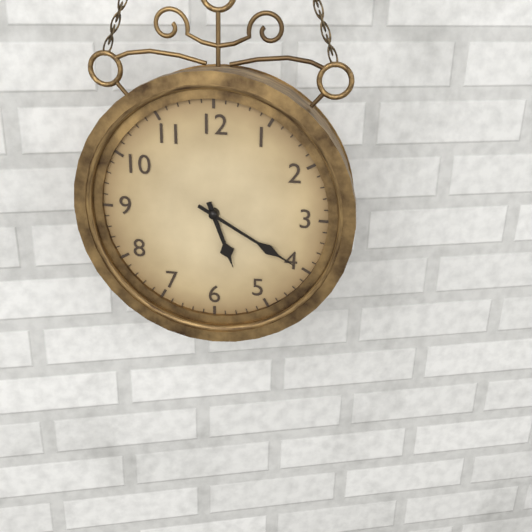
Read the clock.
5:20
